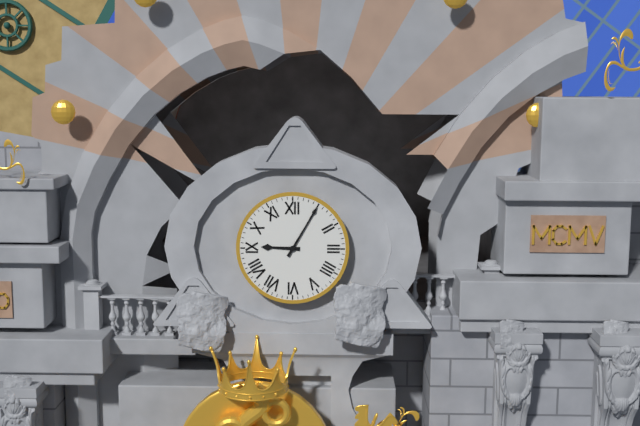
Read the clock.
9:05
